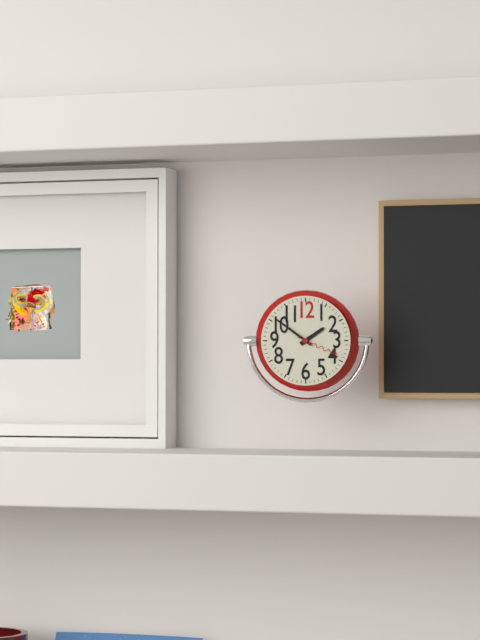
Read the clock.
1:51
